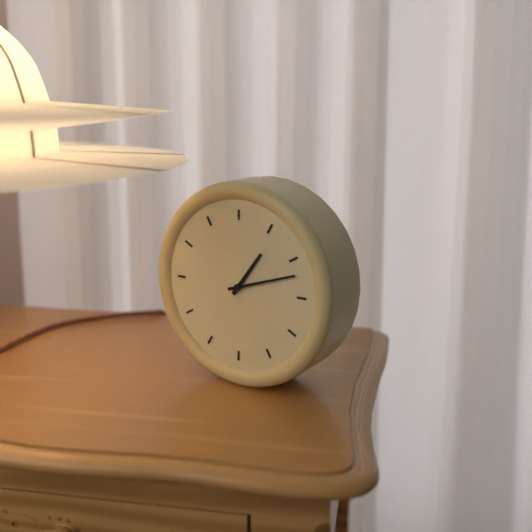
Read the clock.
1:12
